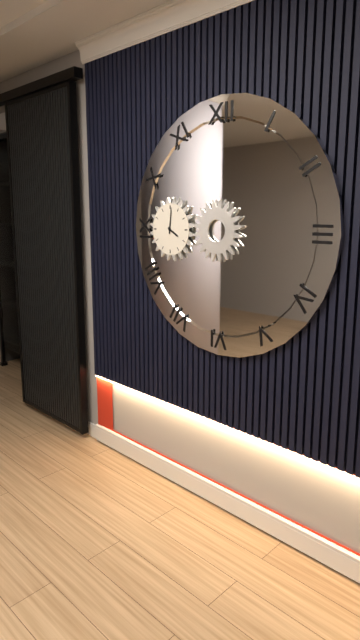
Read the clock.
4:01
